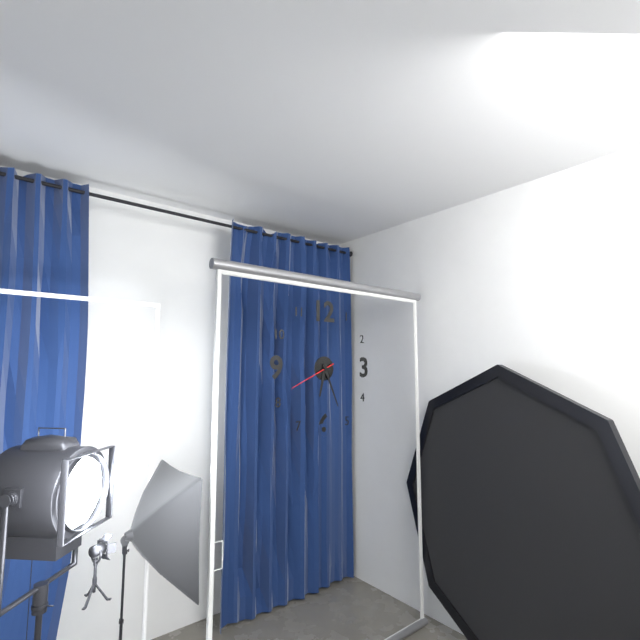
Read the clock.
6:26
